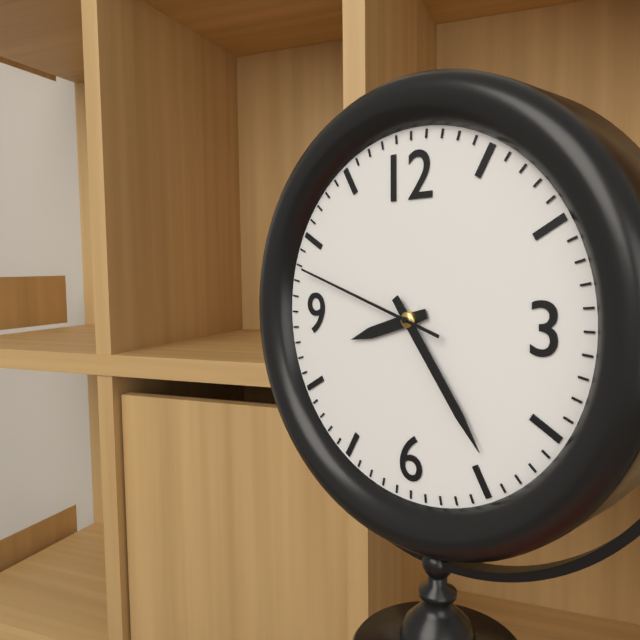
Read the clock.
8:24:48
